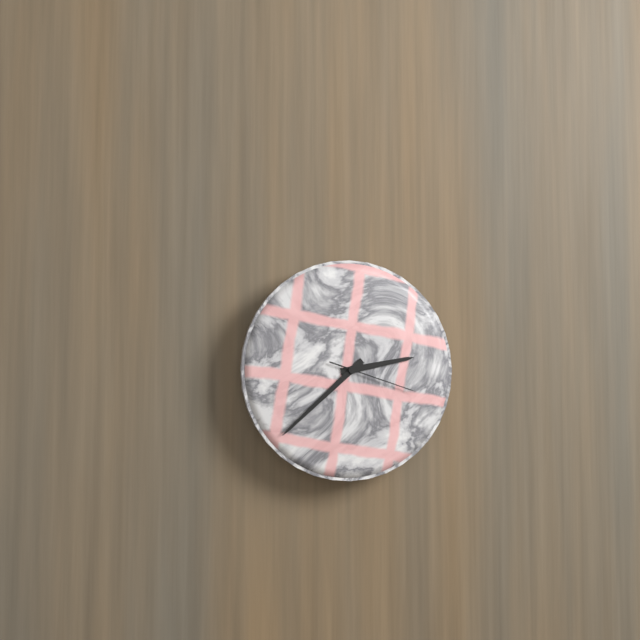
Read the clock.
2:38:18
